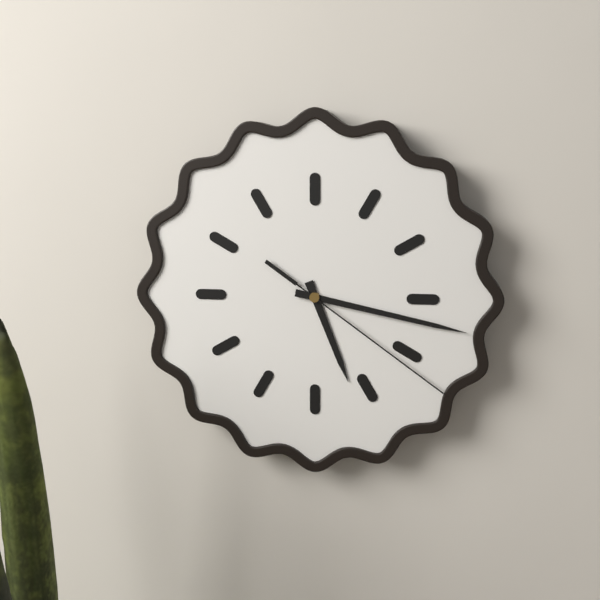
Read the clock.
5:17:21
